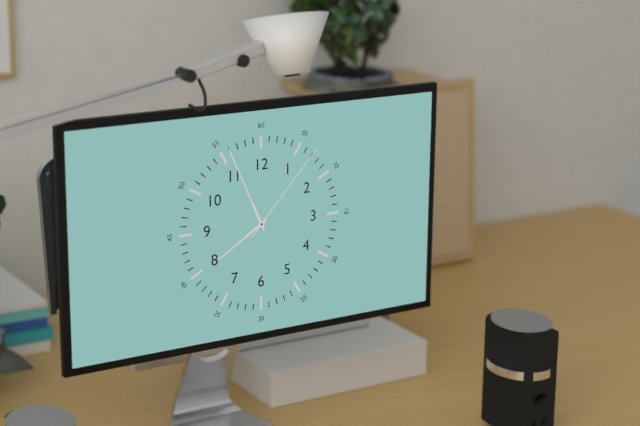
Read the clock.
7:56:07
